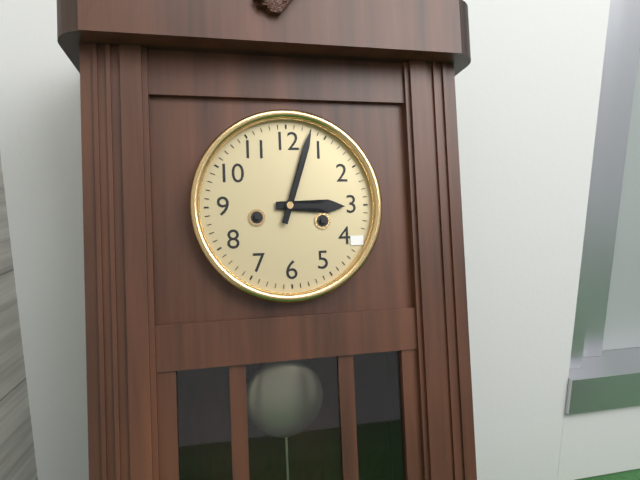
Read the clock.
3:03
